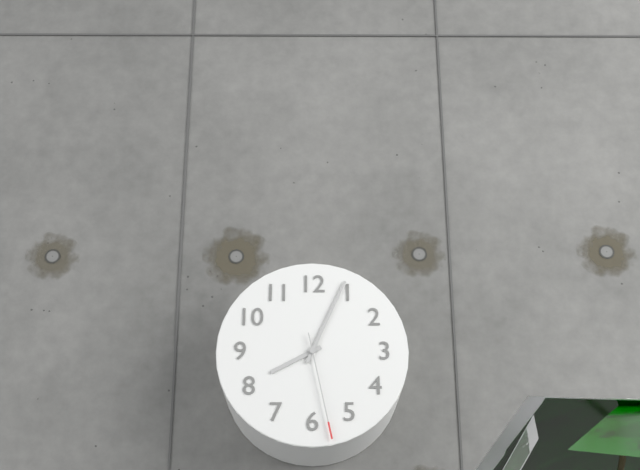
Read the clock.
8:04:28
